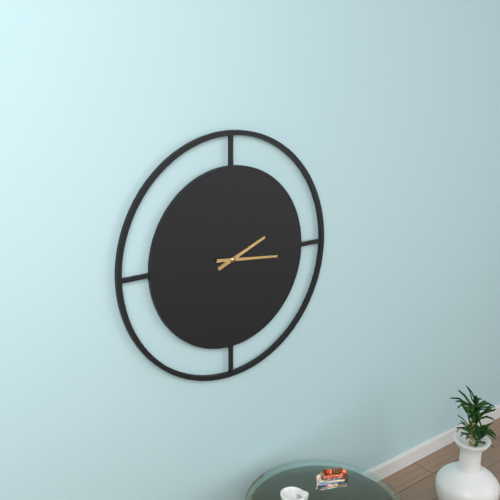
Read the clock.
2:16
